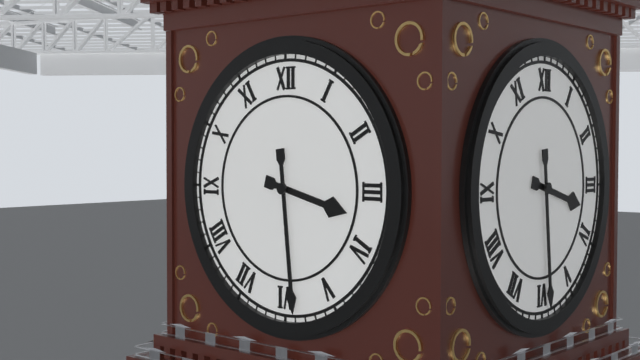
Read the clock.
3:29
